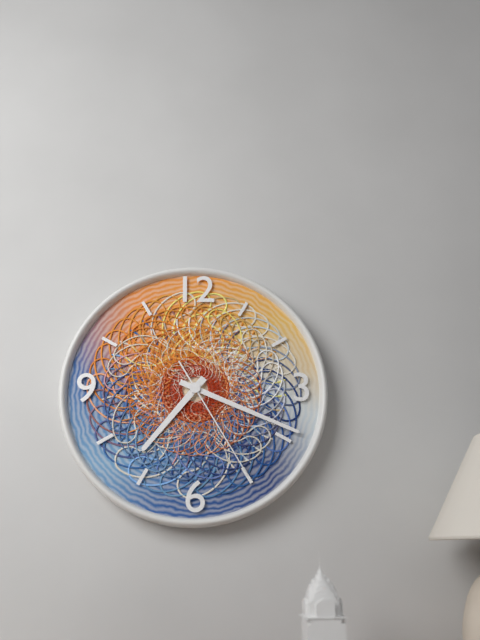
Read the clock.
7:19:25
